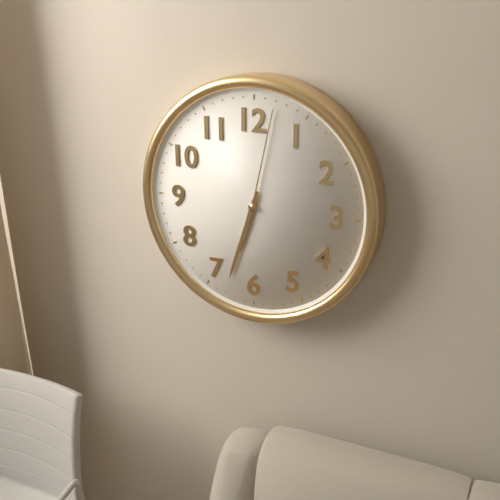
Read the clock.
6:33:02
